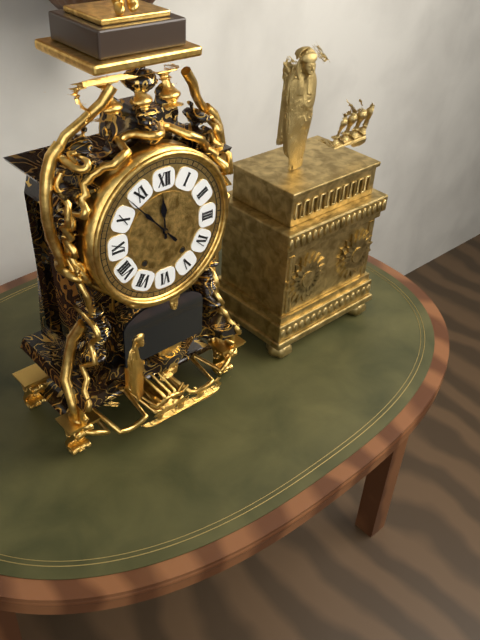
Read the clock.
11:53
